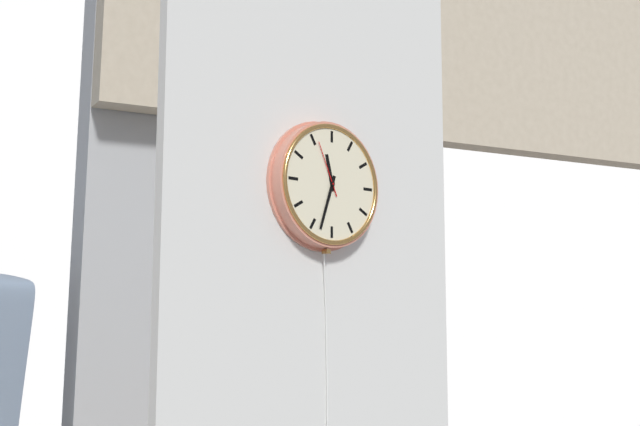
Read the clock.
11:33:56
